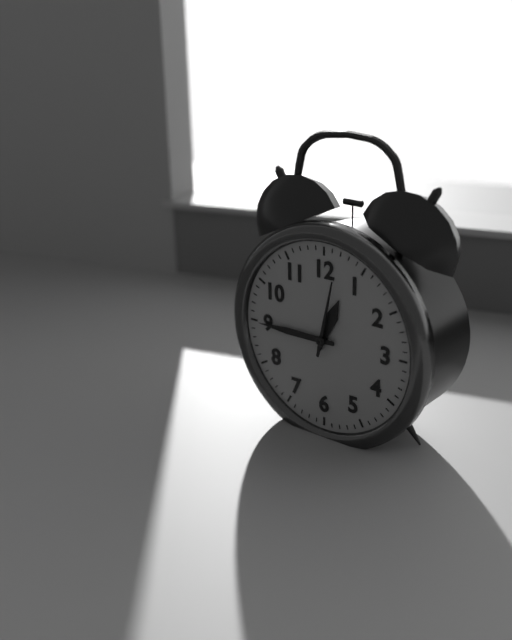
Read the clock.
12:45:02
